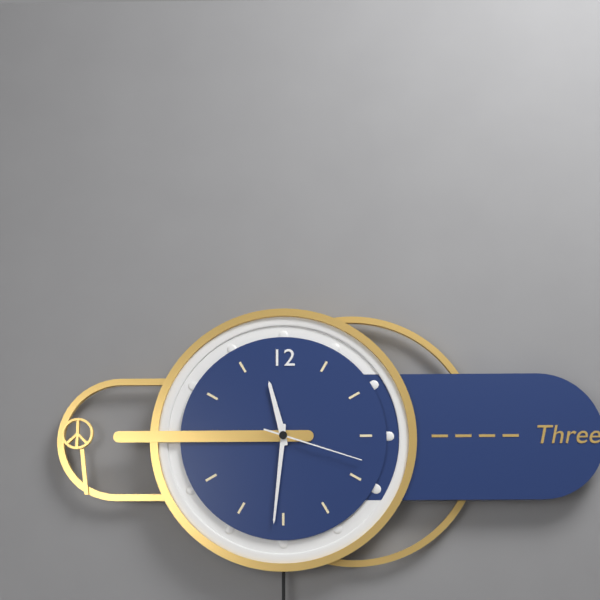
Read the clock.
11:31:18
